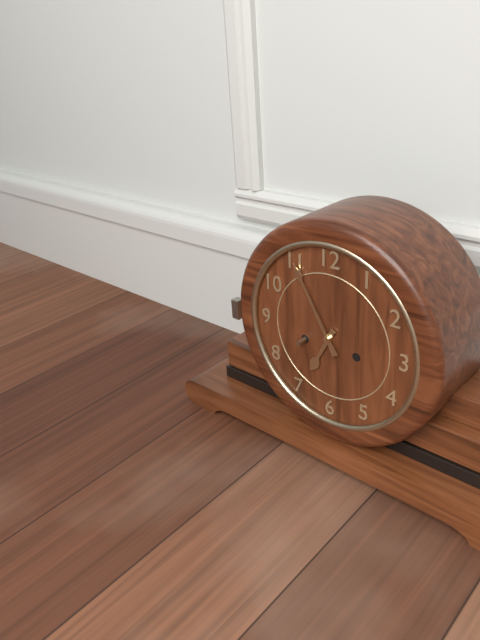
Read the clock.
6:55
